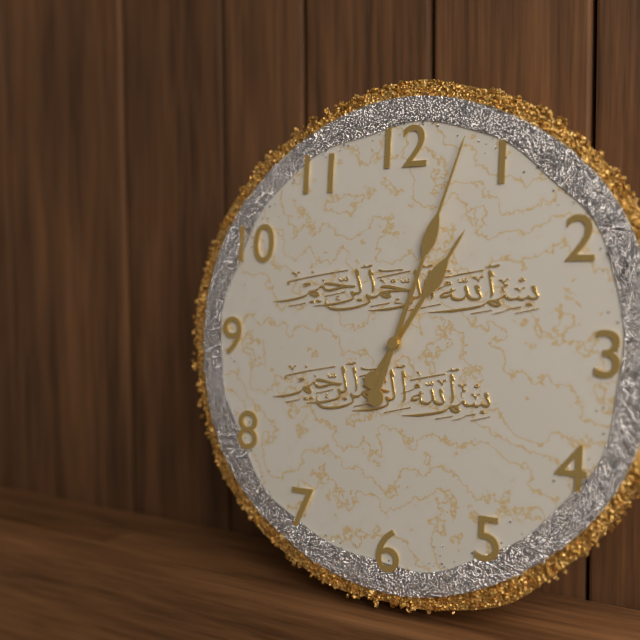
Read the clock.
1:03
